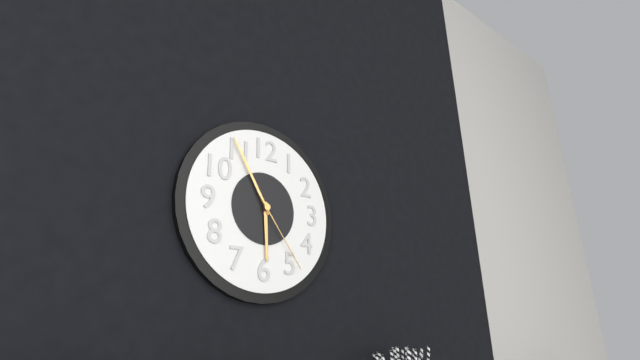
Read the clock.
5:55:24
